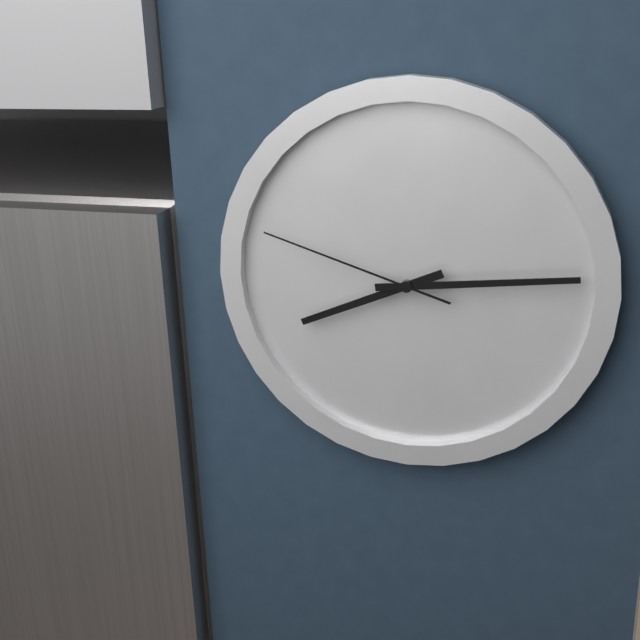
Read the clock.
8:14:48
